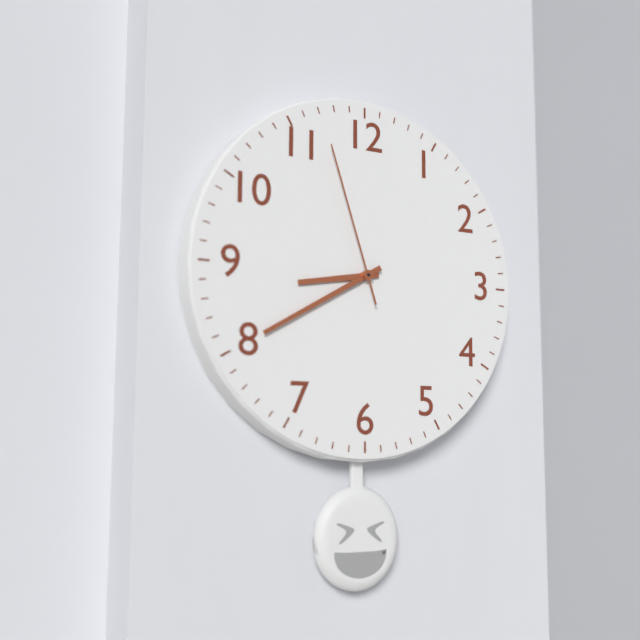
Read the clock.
8:40:57
